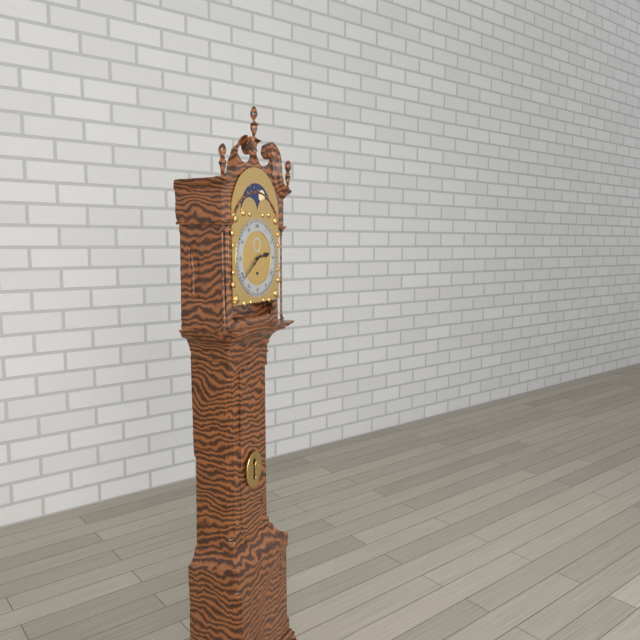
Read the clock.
2:39
